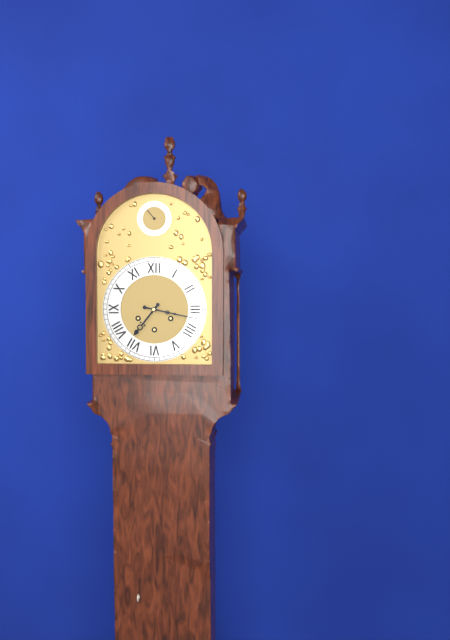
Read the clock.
7:17
